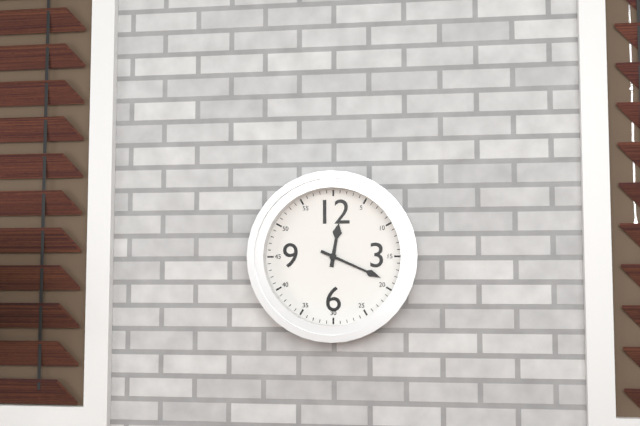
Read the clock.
12:19
